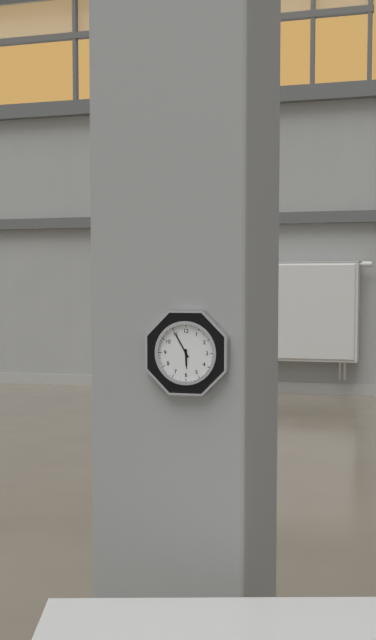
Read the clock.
5:55
